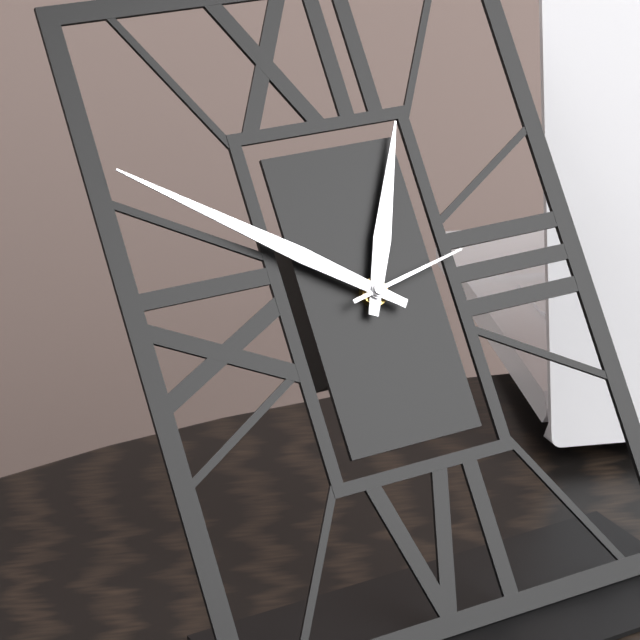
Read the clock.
12:51:13
